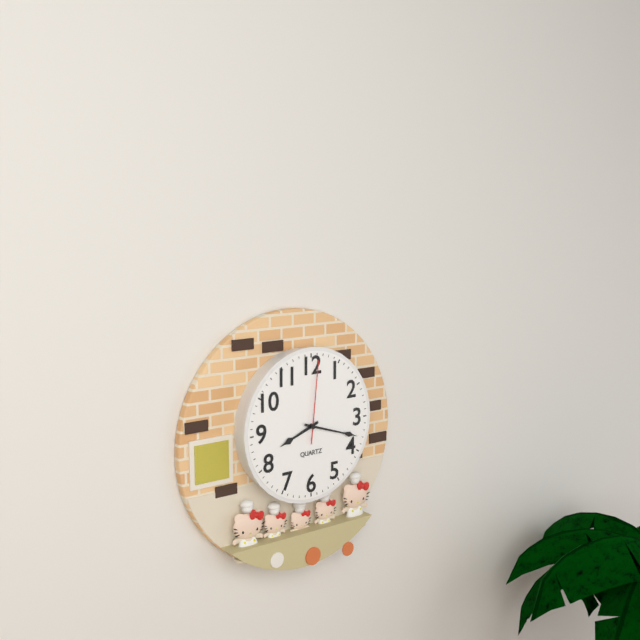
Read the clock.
8:18:01
